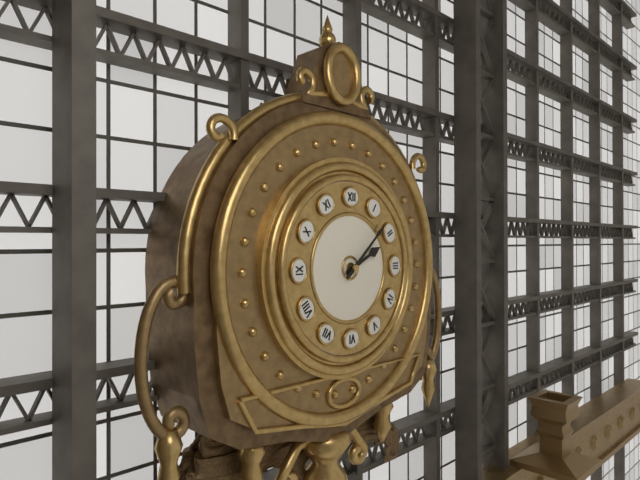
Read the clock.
2:08
